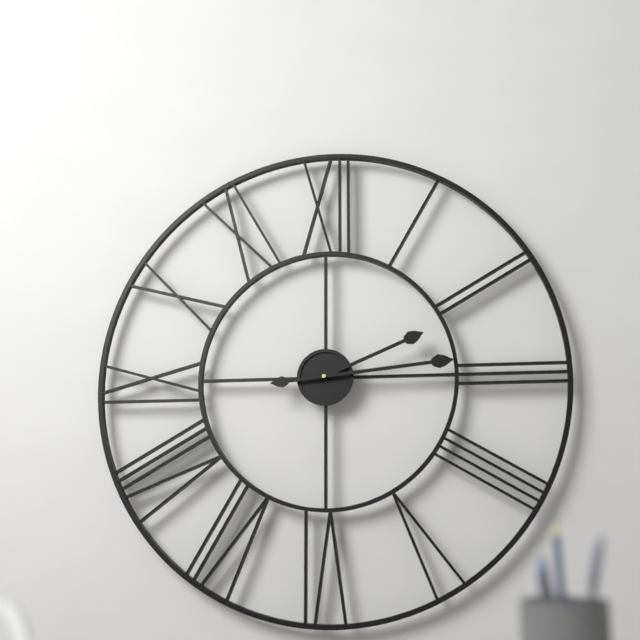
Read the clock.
2:14
